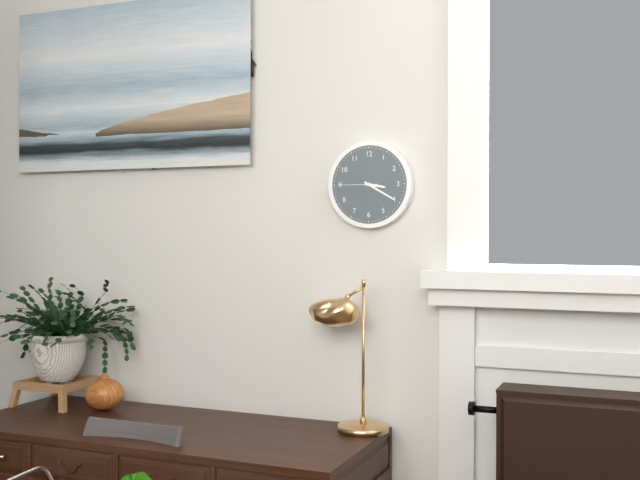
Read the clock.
3:20
